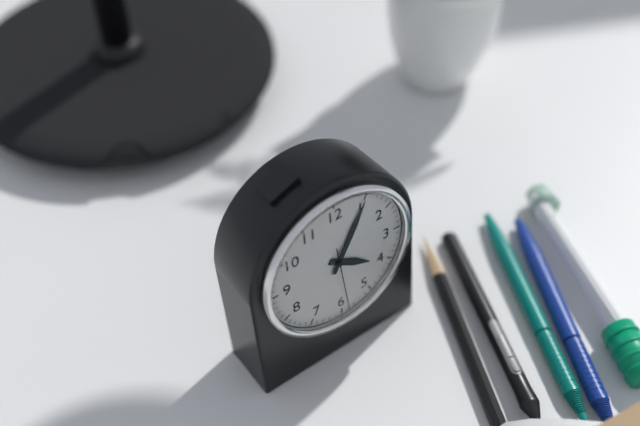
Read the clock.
4:05:29
